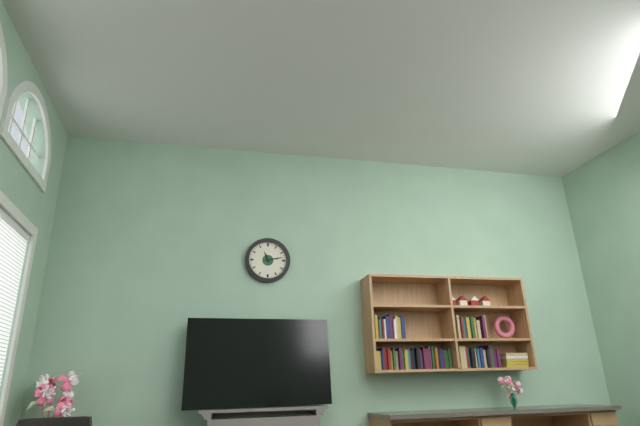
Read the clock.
11:13
